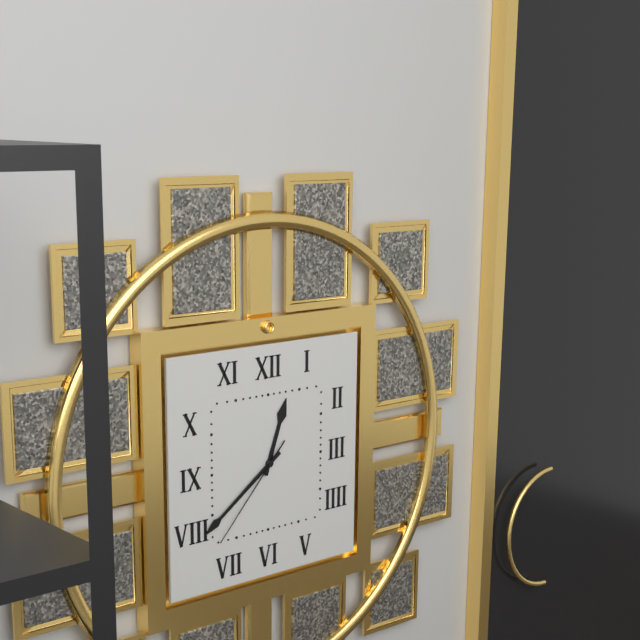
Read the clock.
12:39:37
